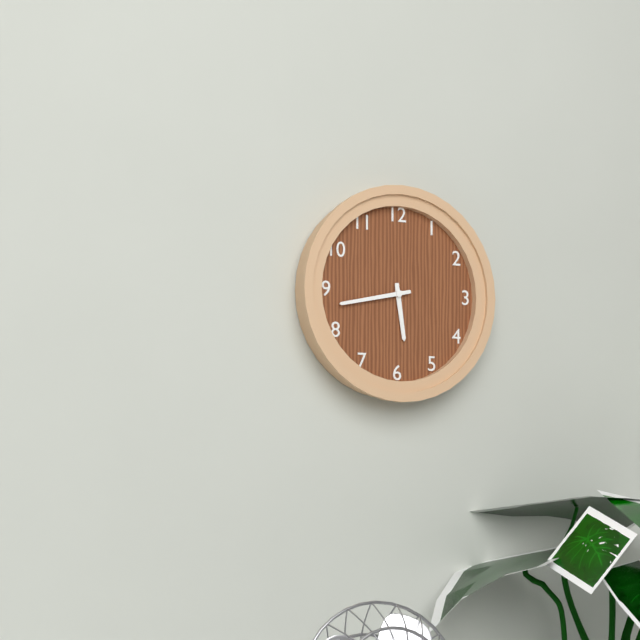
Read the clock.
5:43
